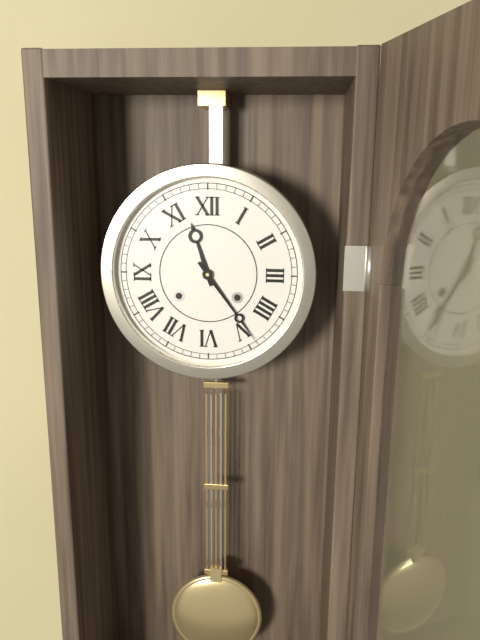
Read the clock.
11:24
